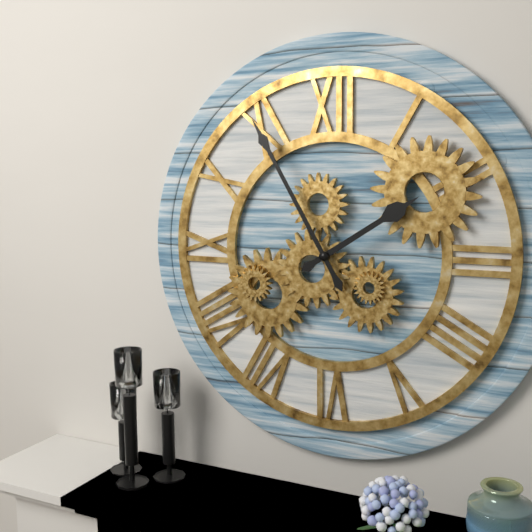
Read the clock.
1:55
